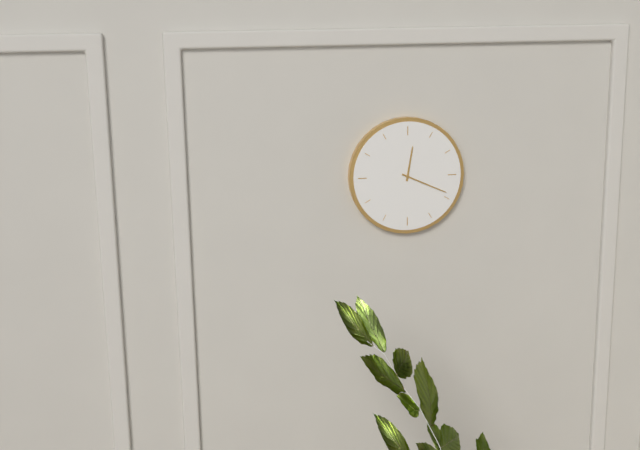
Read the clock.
12:19
